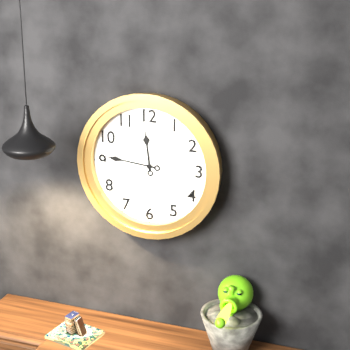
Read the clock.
11:46
